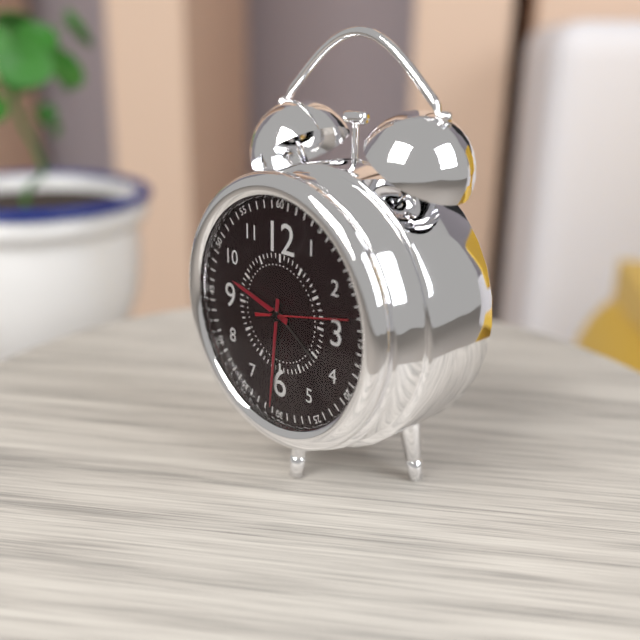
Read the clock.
9:31:13
